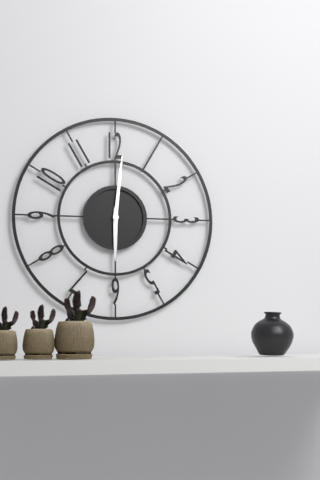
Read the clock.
6:01
